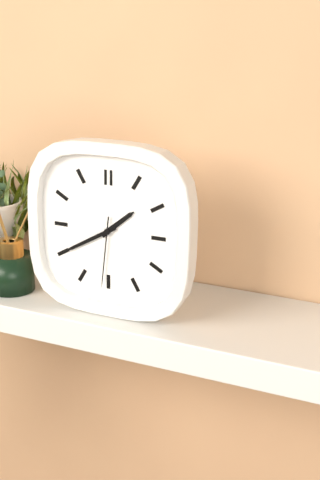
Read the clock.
1:40:31
